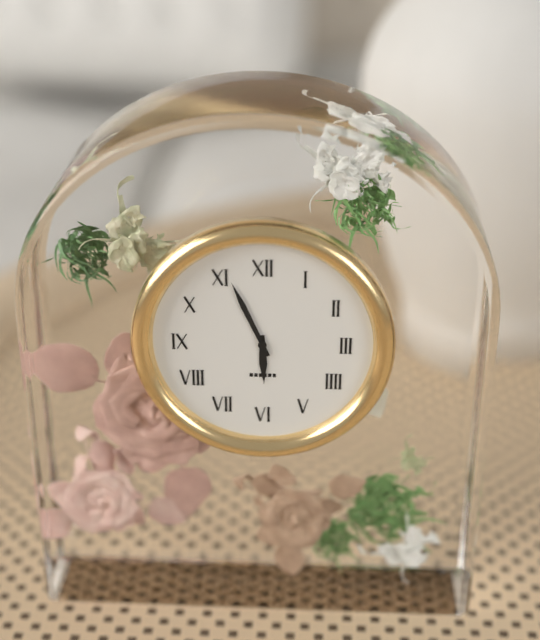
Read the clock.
5:56
